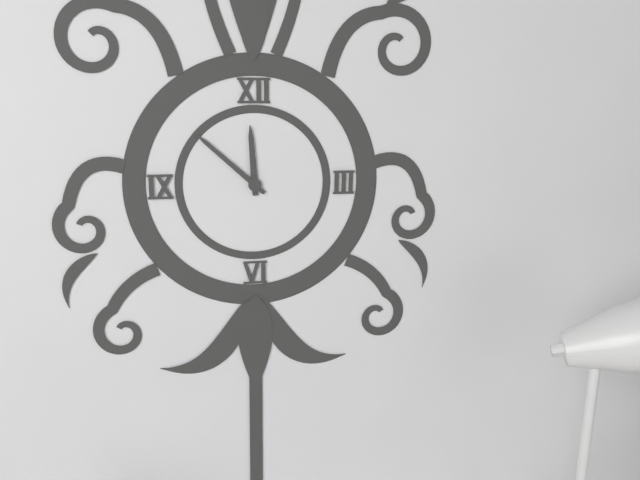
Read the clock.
11:52
